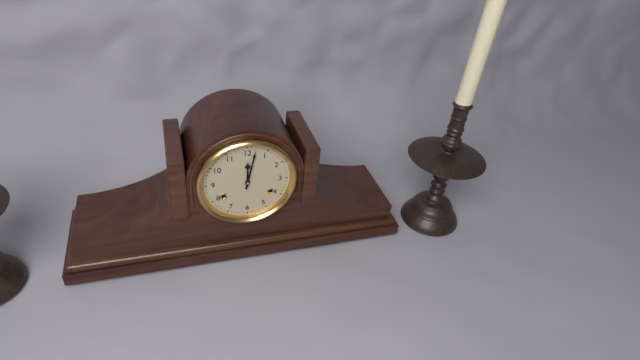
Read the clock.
12:02
